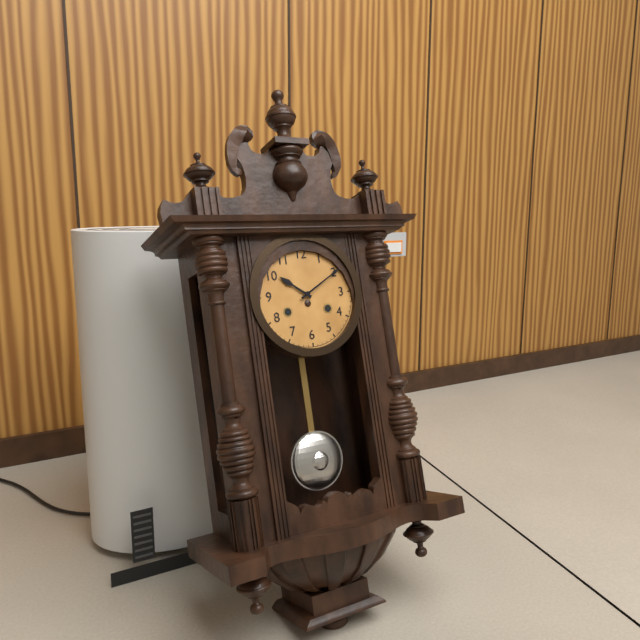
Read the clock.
10:10
